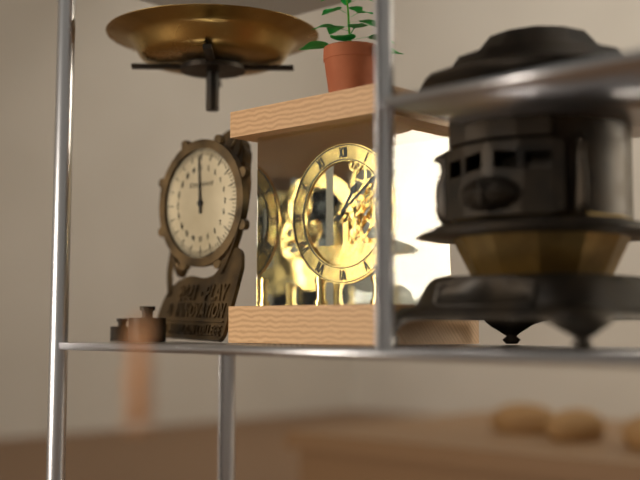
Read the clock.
1:09
